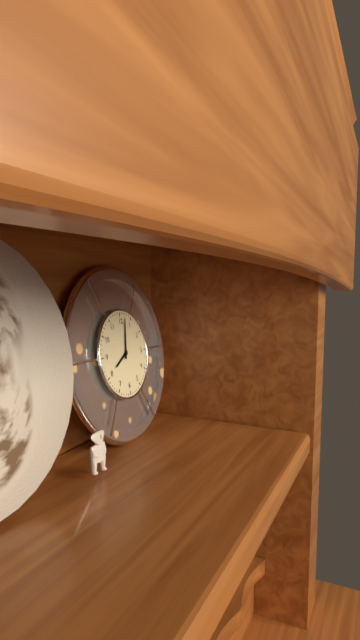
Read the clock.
8:02
